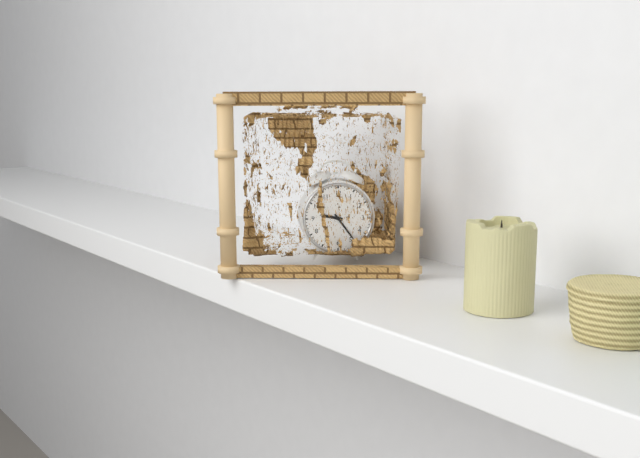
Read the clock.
9:24
